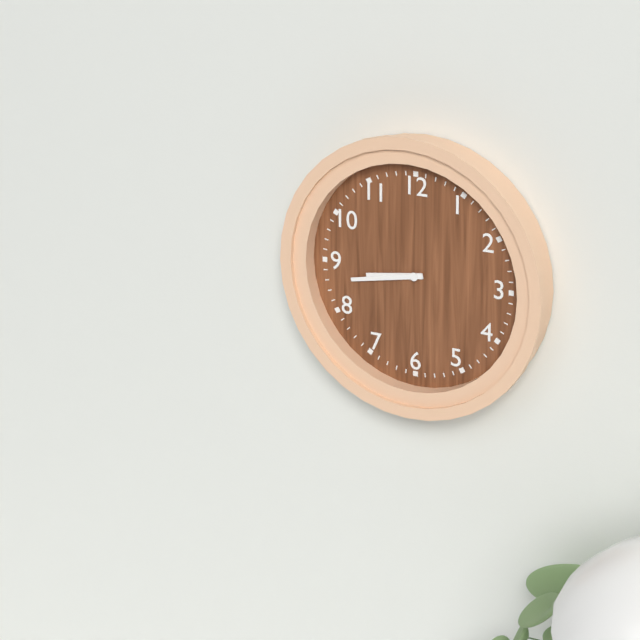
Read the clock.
8:43
